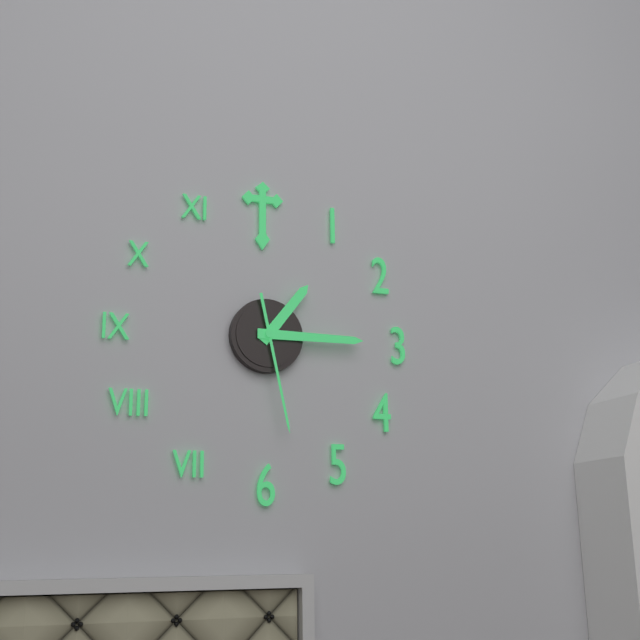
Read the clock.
1:15:28
